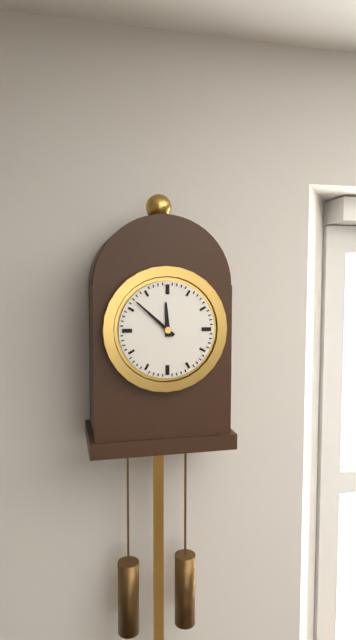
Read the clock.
11:52
